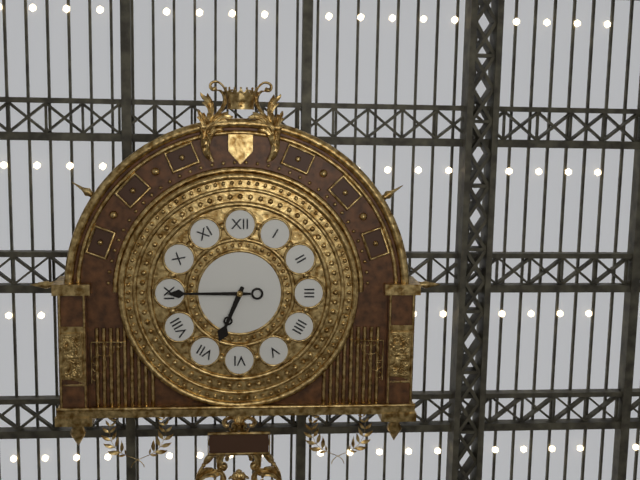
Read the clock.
6:45
